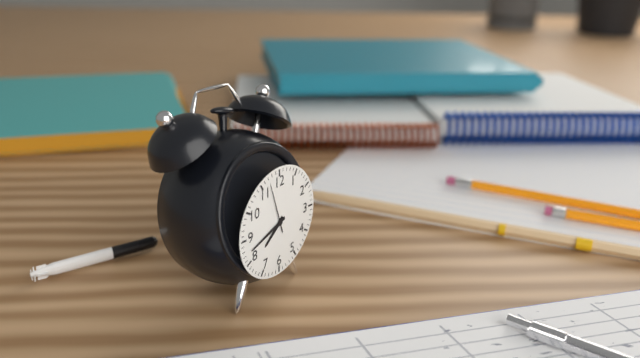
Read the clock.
7:42:57
